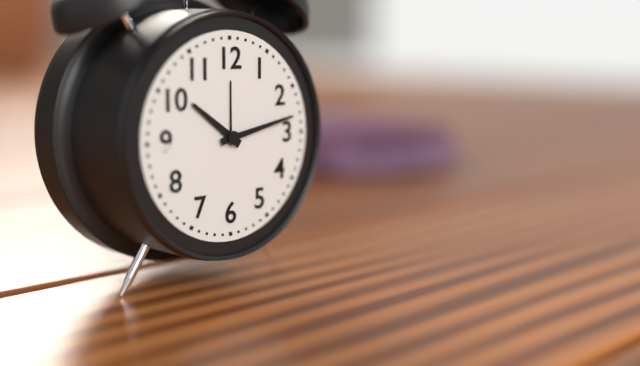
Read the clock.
10:13
